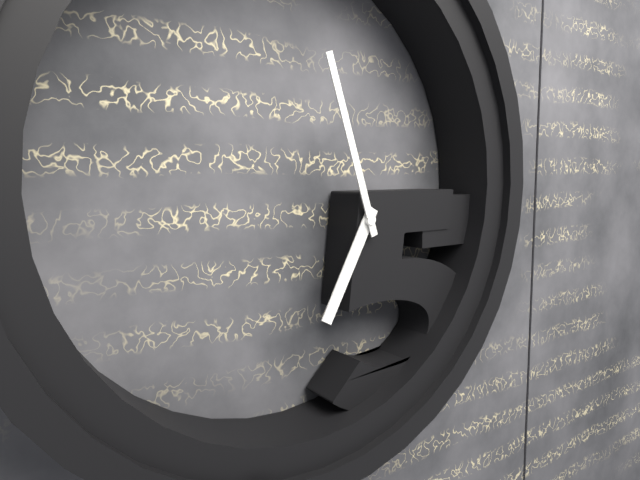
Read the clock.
6:57
